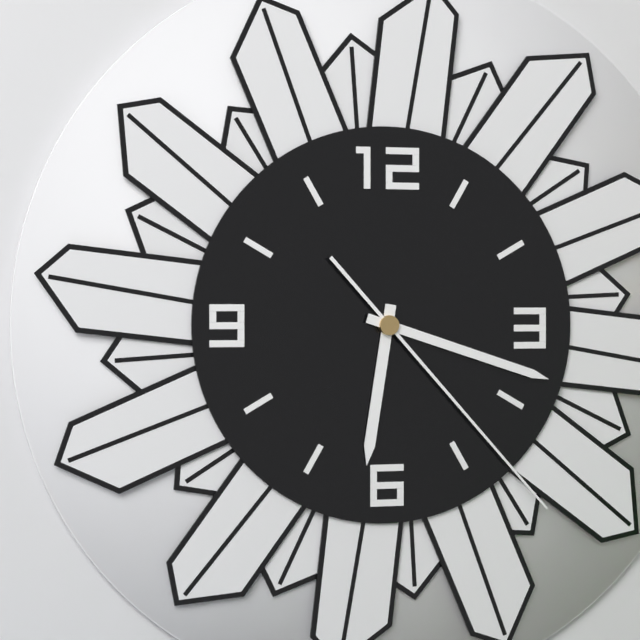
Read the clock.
6:18:23
